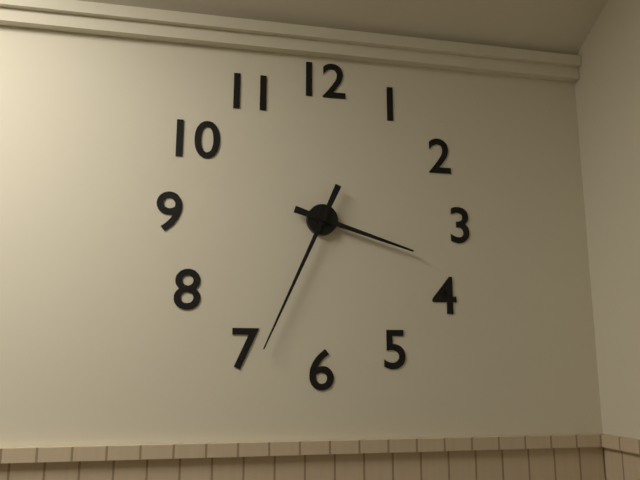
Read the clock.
3:34
